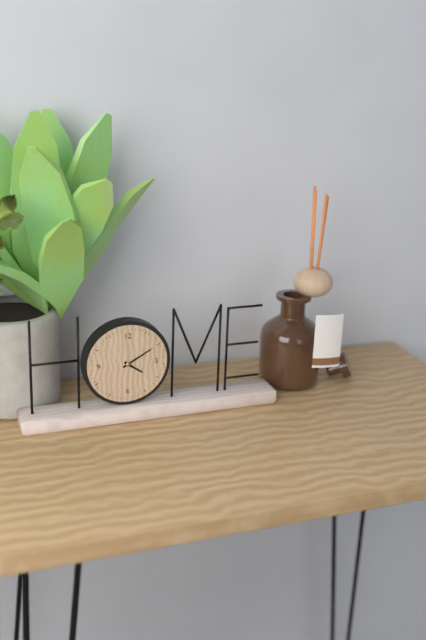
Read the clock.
4:10
